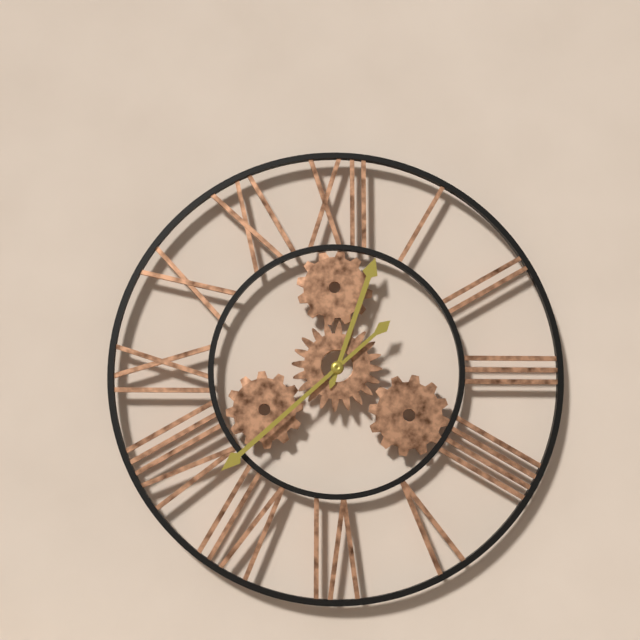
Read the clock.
12:38
